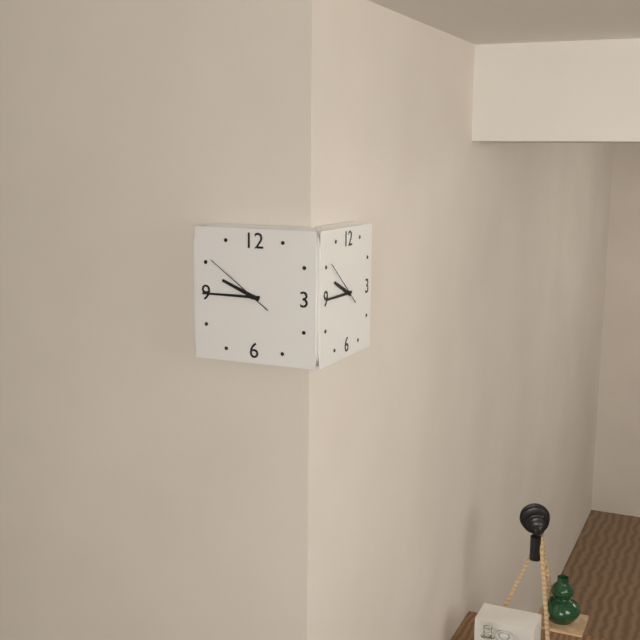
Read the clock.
9:45:51
